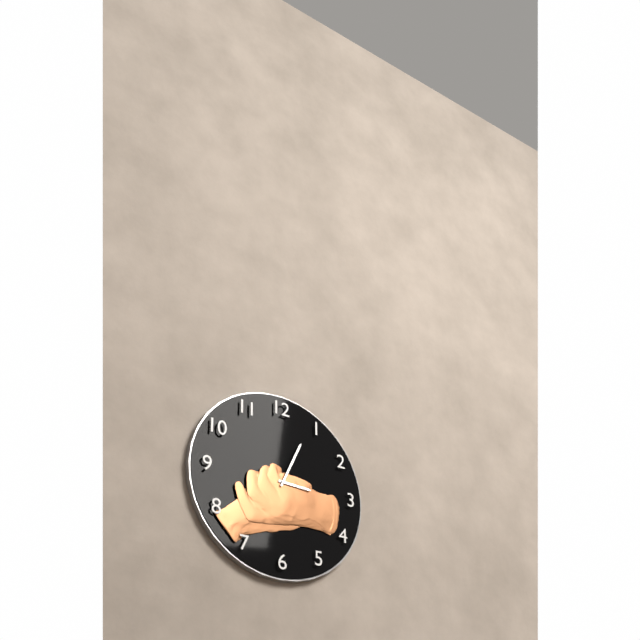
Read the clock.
3:04
